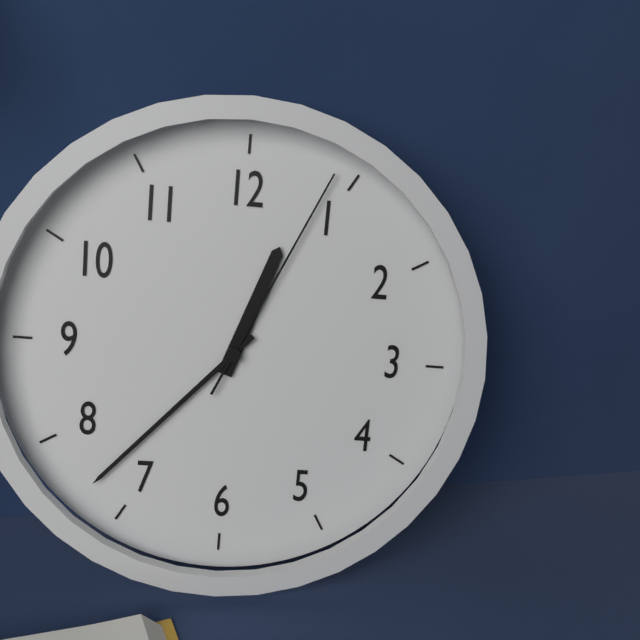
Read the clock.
12:37:04
